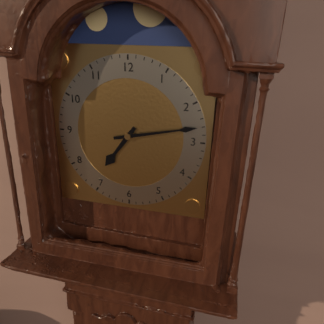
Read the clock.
7:13
